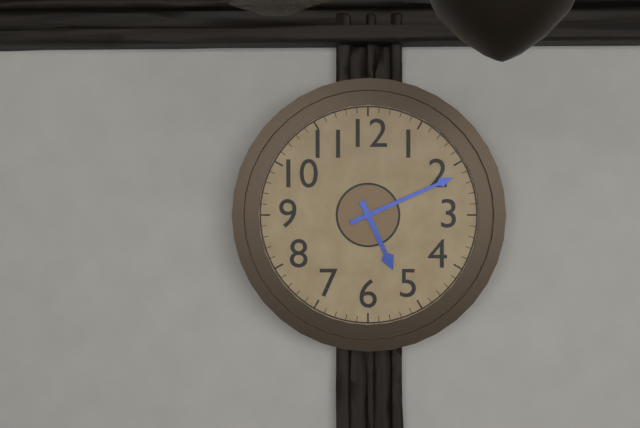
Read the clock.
5:11
